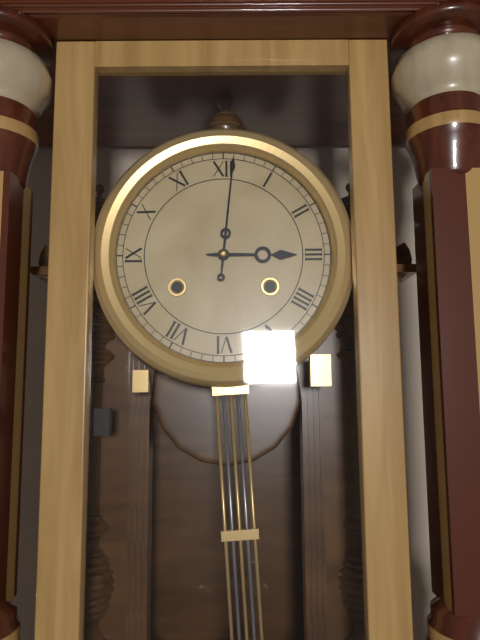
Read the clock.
3:01
